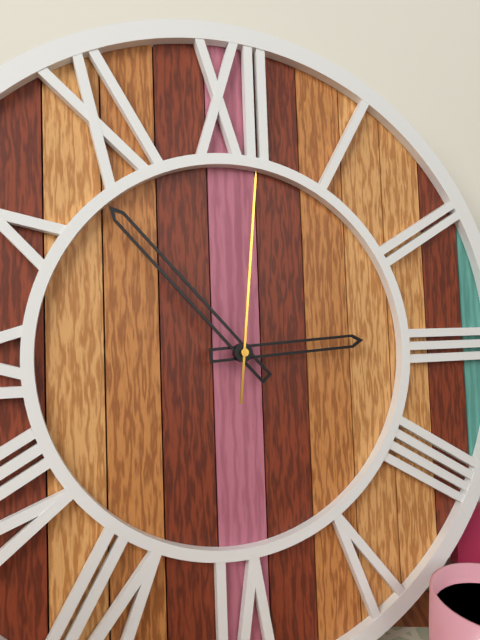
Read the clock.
2:53:01
